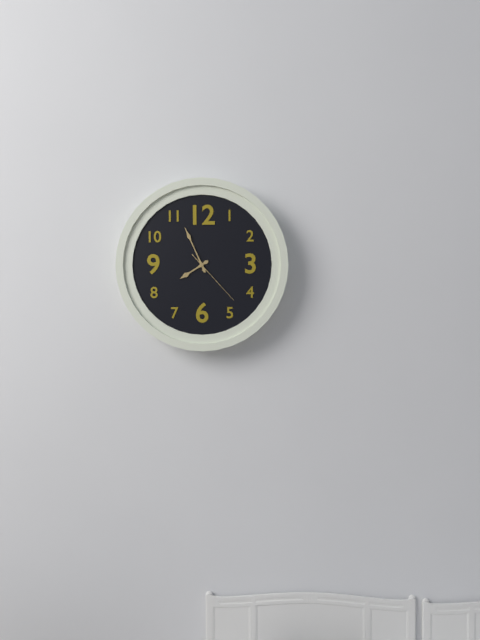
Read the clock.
7:56:23
